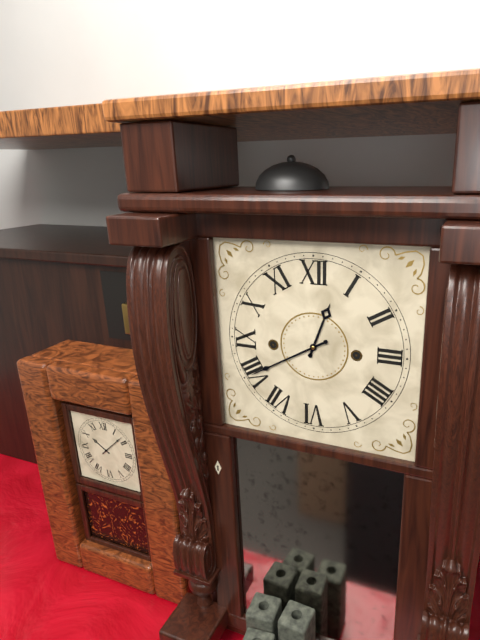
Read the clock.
12:40
